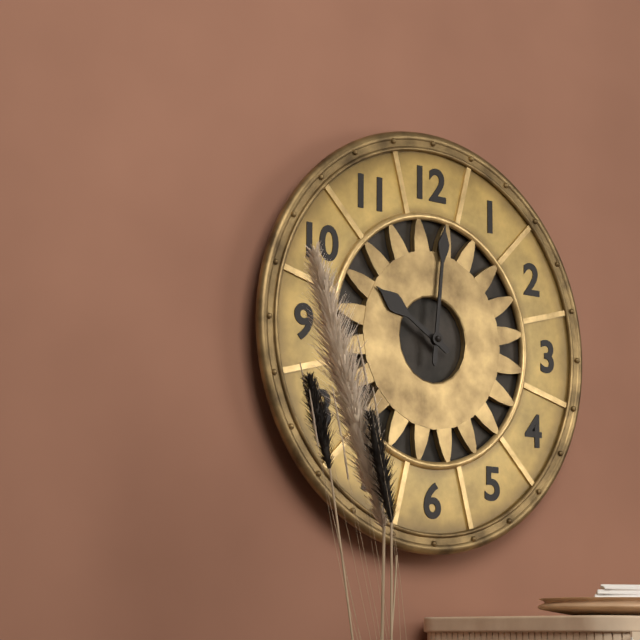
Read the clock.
10:01
